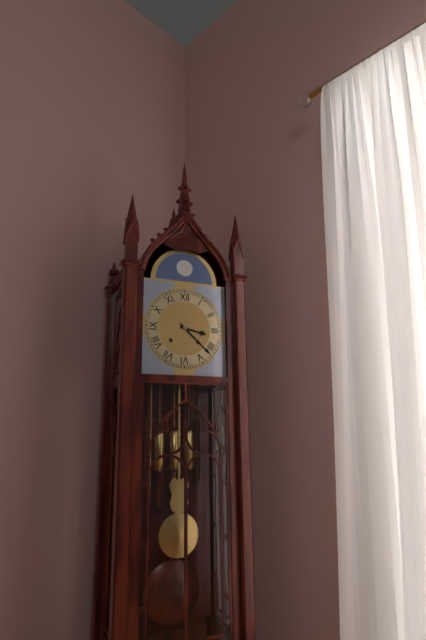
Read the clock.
3:22
